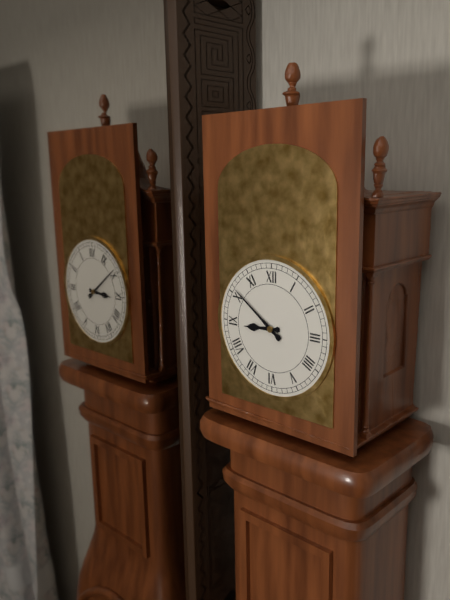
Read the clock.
8:51
